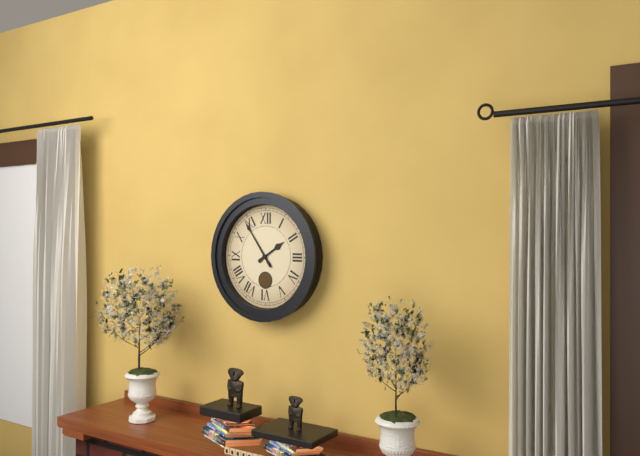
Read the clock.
1:54
